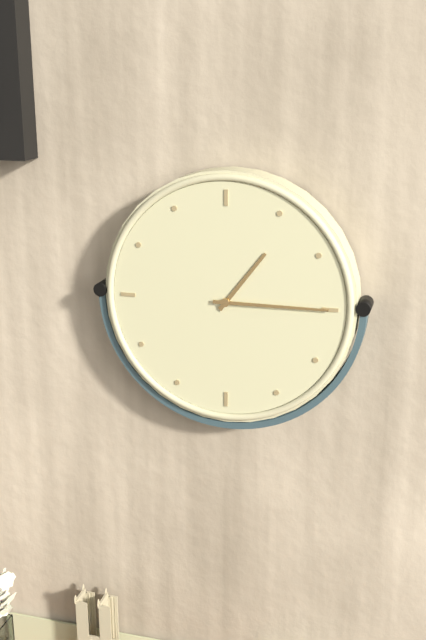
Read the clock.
1:15
